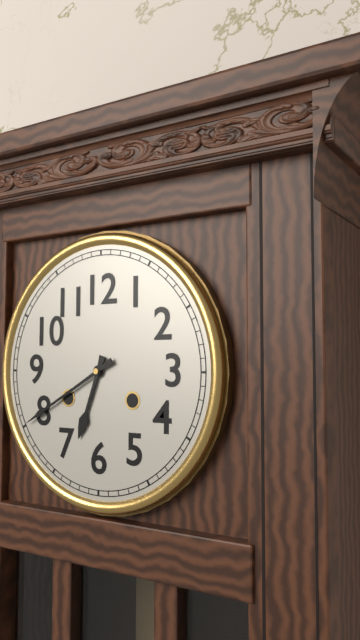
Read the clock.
6:40
